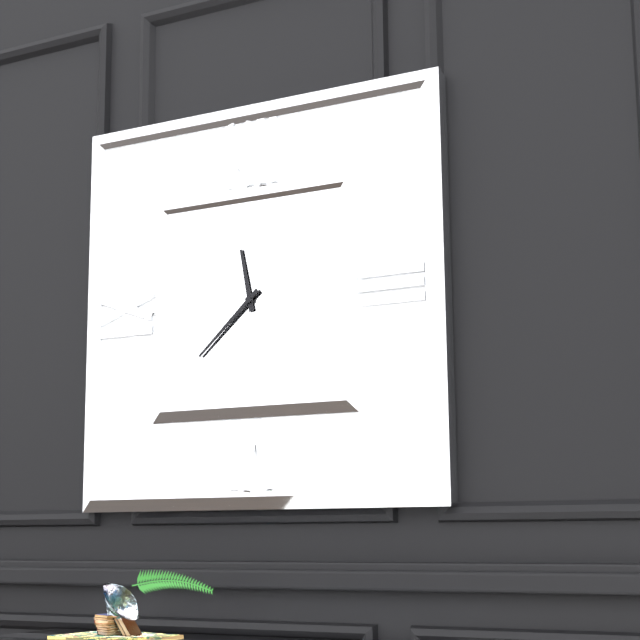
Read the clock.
11:38
